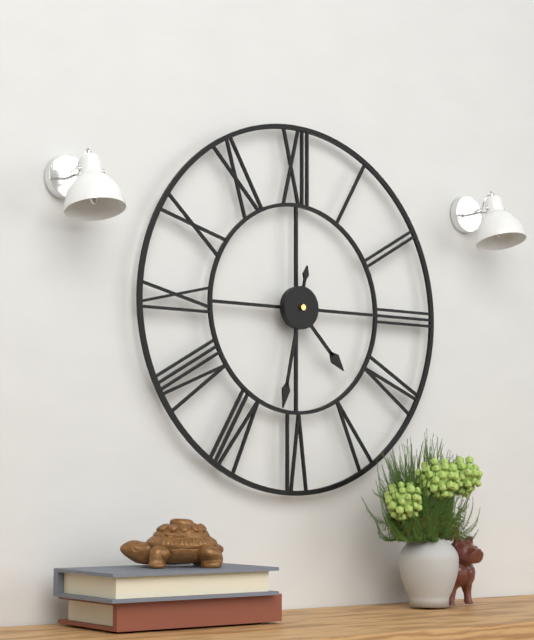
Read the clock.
4:32
